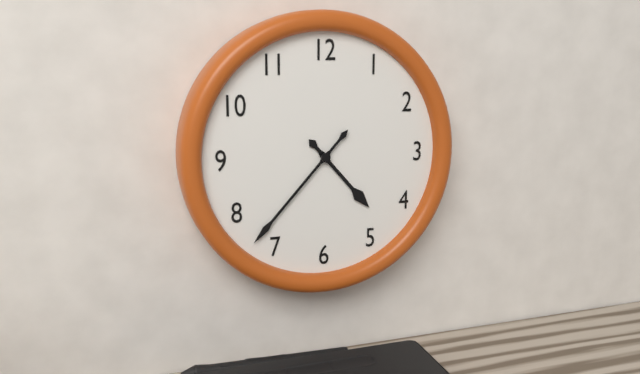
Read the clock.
4:37
